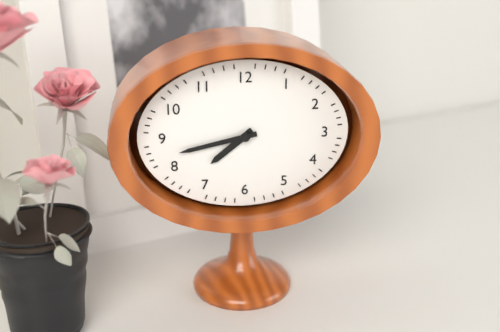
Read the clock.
7:43
